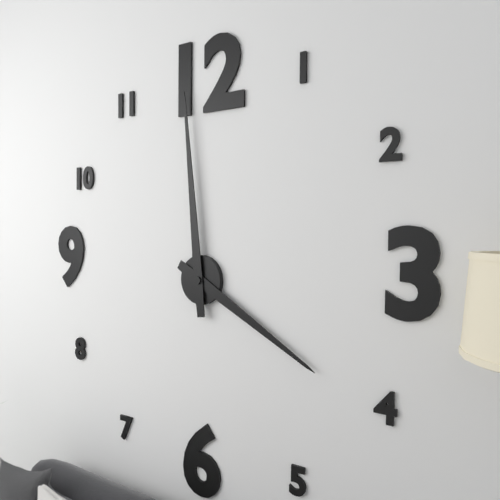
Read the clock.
3:59
